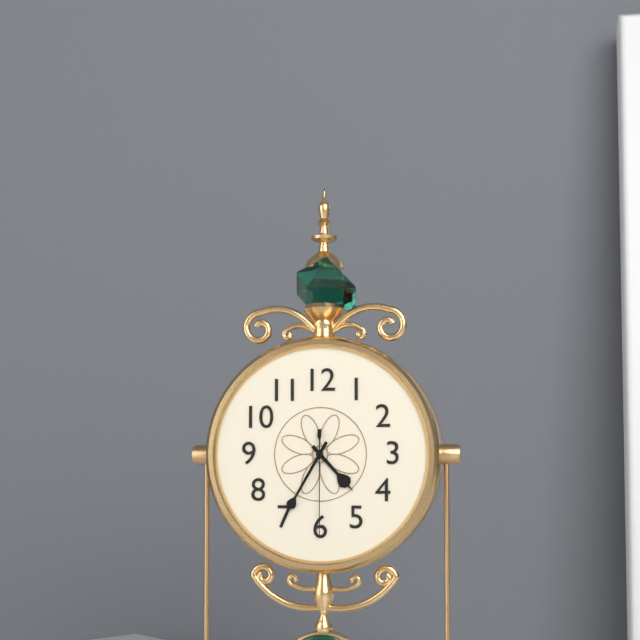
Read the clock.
4:35:30
